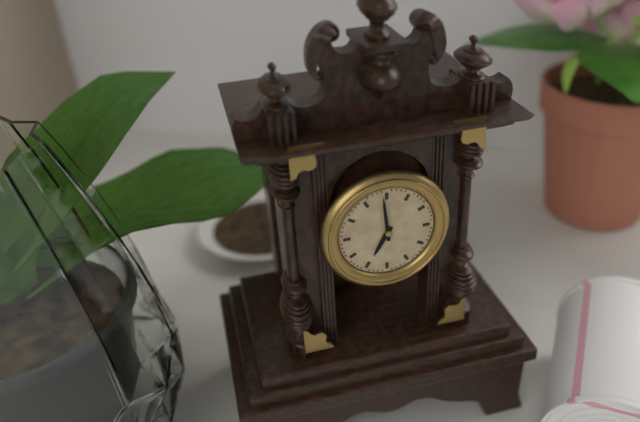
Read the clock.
6:59
